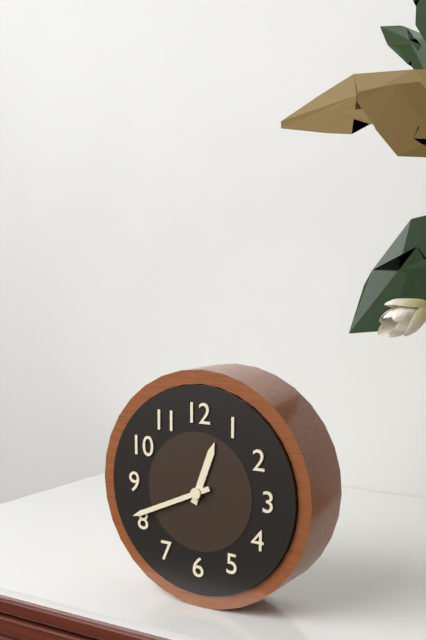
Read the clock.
12:41
